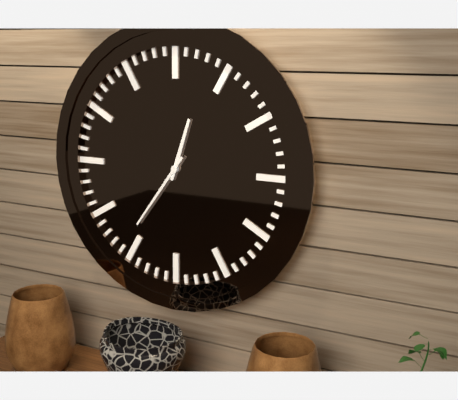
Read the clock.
12:36
